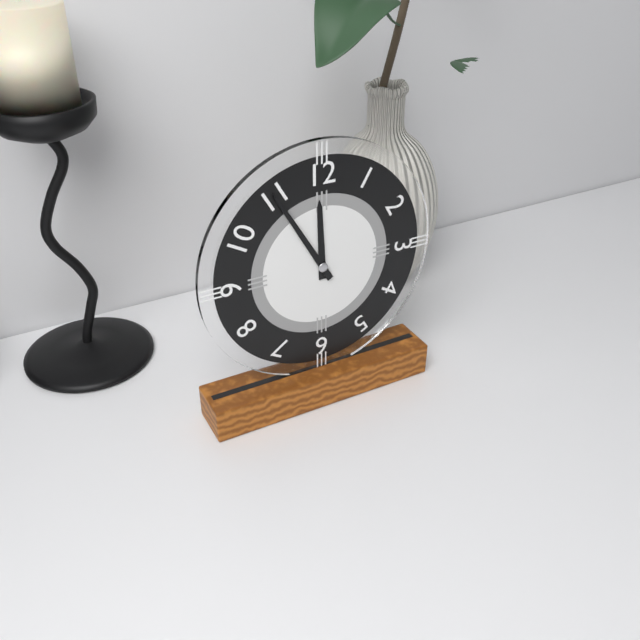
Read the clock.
11:55
